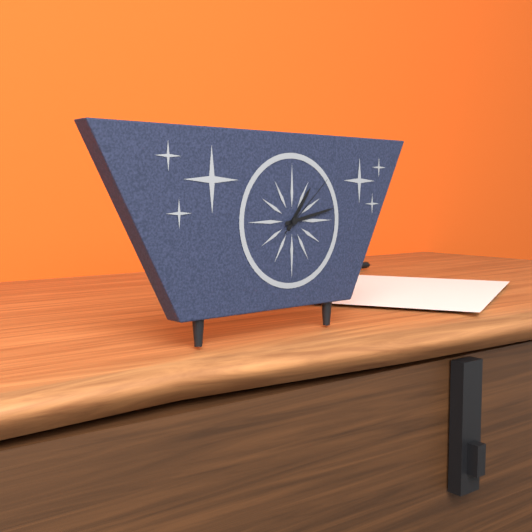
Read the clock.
1:13:08
